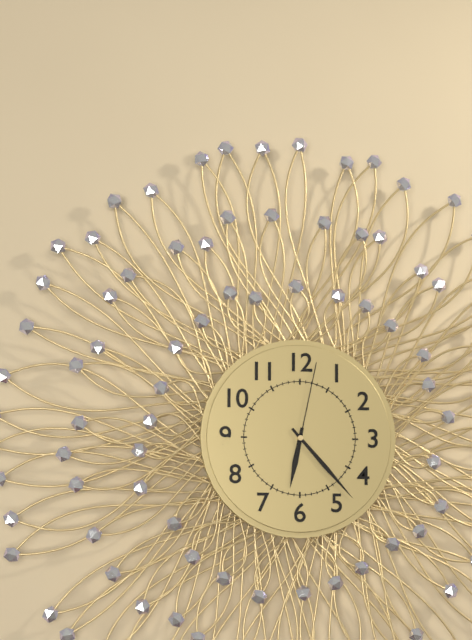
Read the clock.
6:23:02
